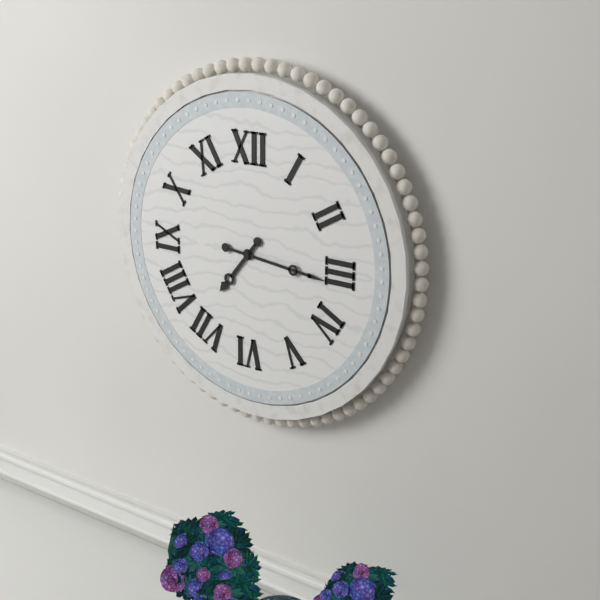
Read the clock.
7:16
